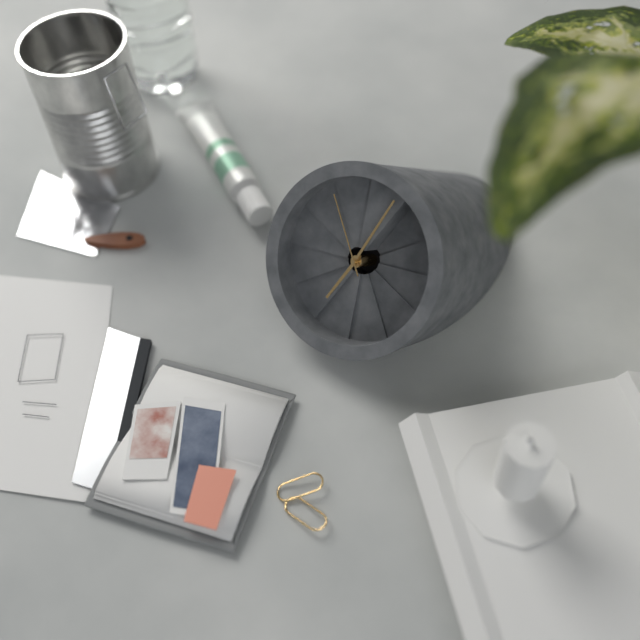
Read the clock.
5:59:50
